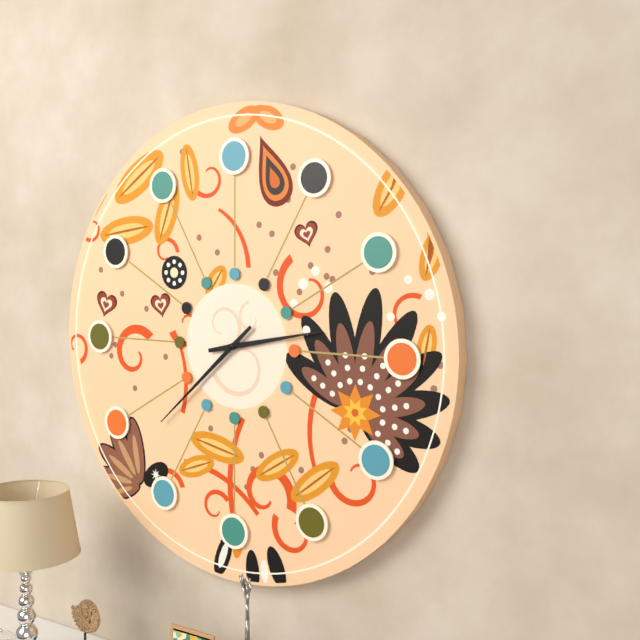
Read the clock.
2:38
